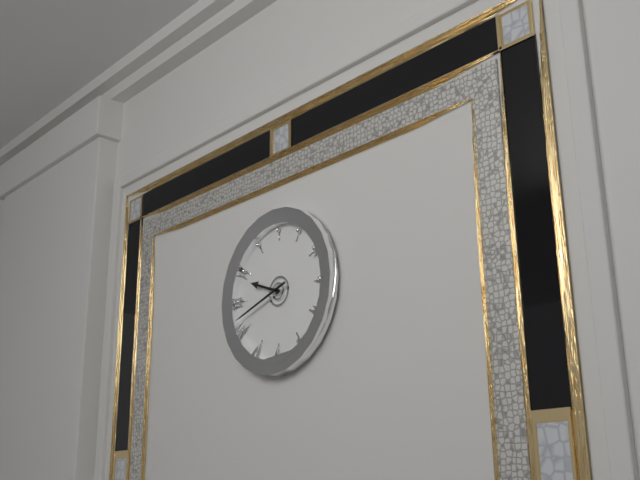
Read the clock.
9:42
